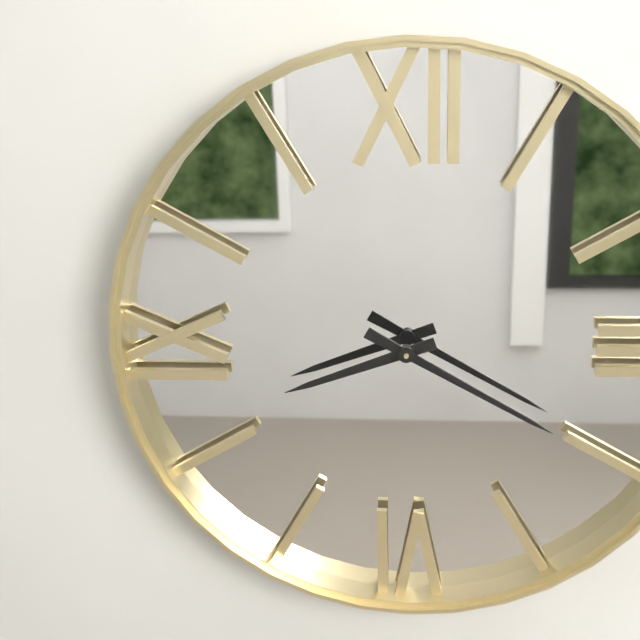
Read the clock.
8:20
